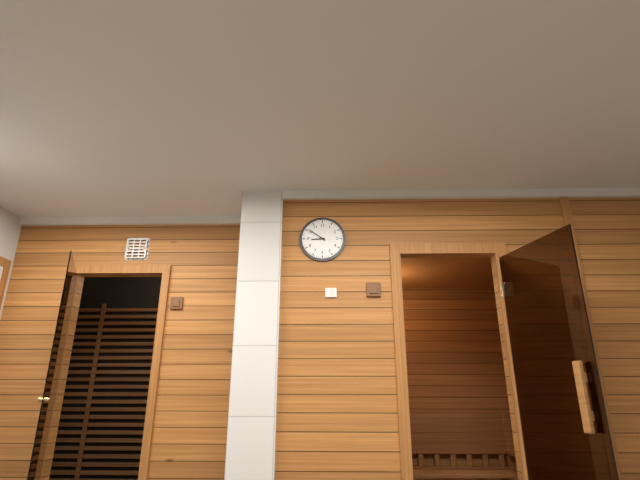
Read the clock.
8:51
